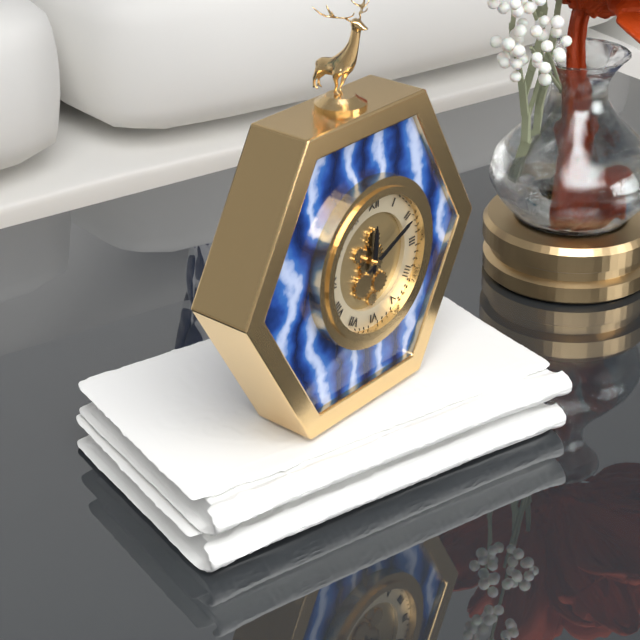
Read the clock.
12:11
